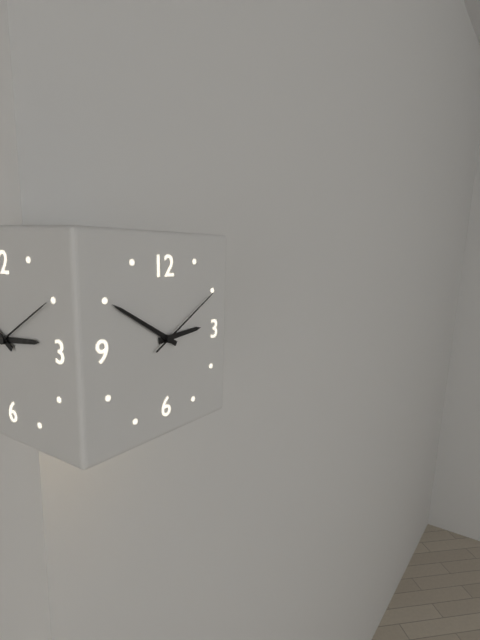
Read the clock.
2:50:10
